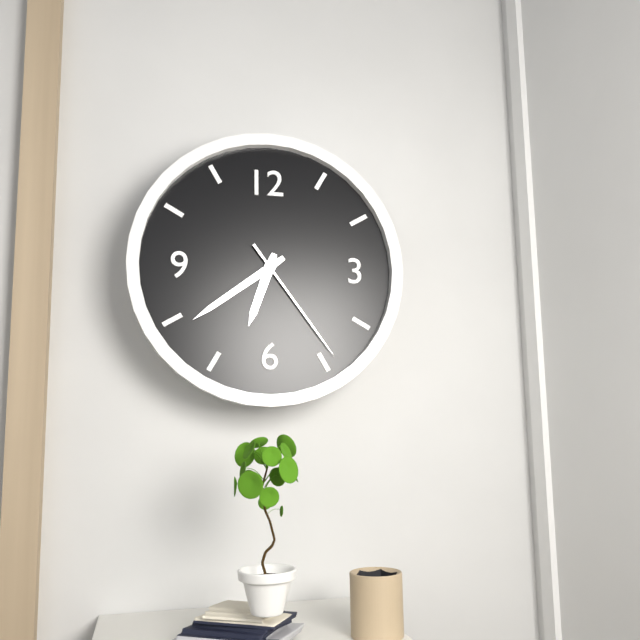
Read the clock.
6:39:24
